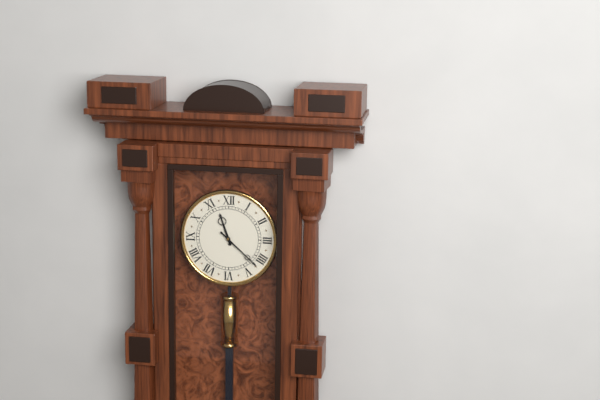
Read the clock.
11:22
